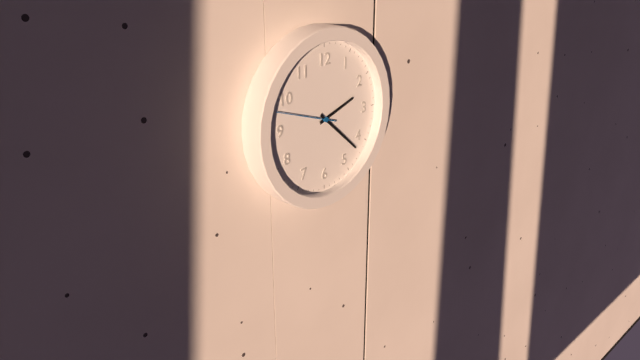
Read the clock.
2:22:48
